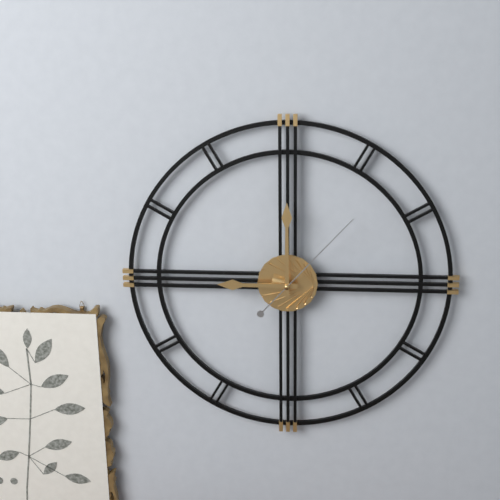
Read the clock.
9:00:07
